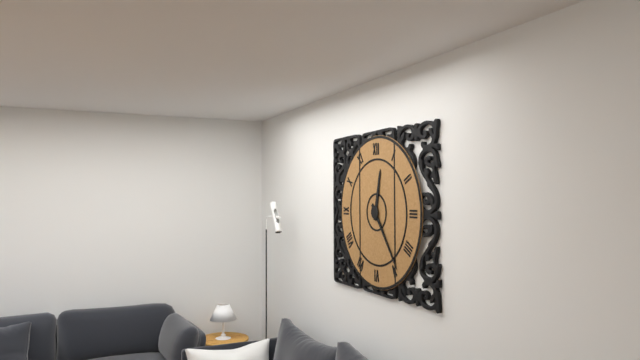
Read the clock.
12:24
